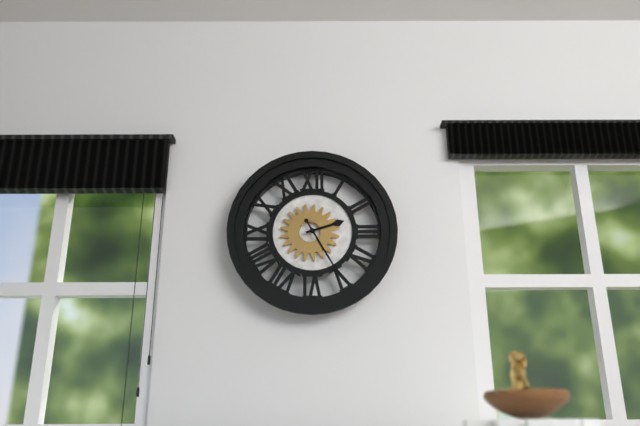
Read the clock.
2:25
